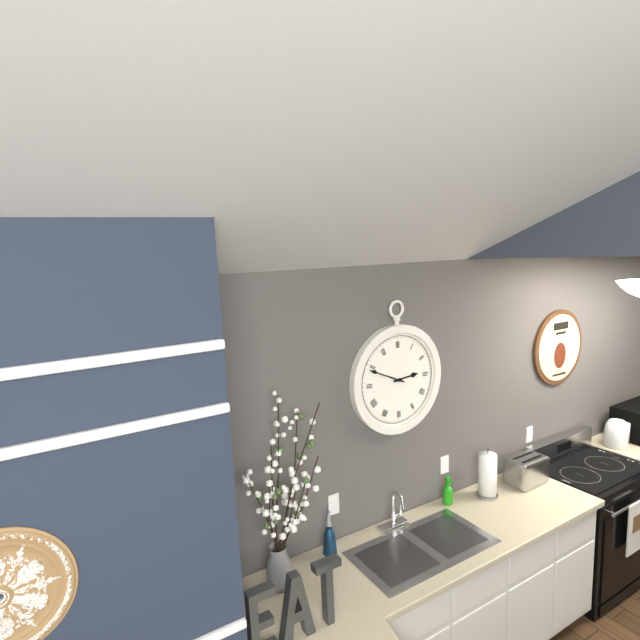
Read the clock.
2:49
